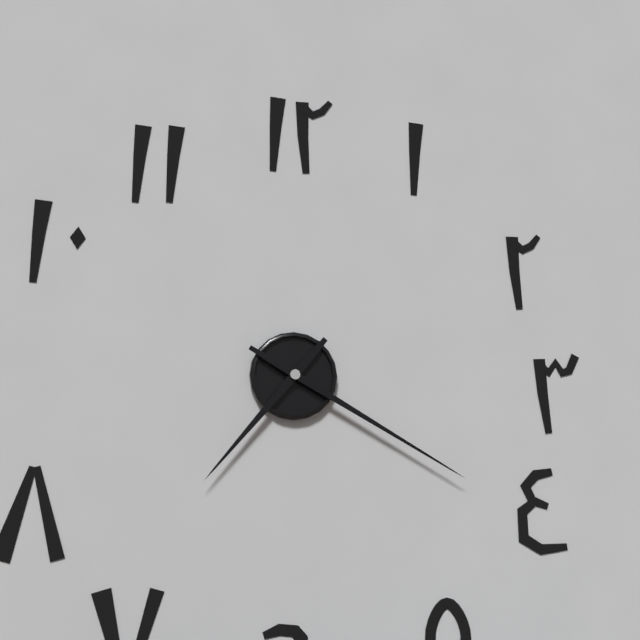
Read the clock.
7:20
